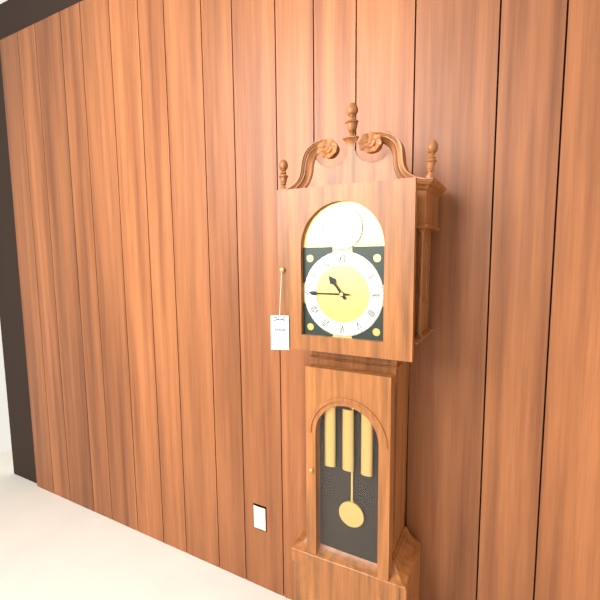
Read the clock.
10:45
